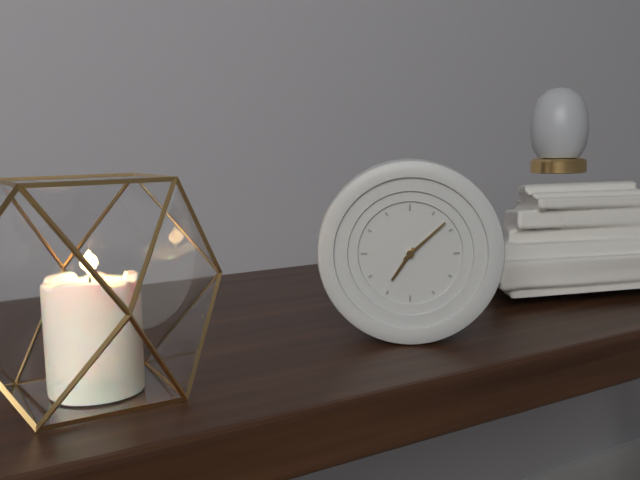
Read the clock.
7:08
